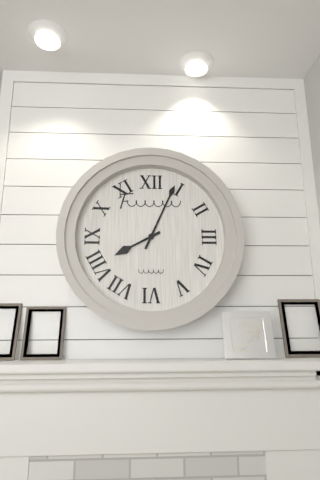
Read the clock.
8:04
